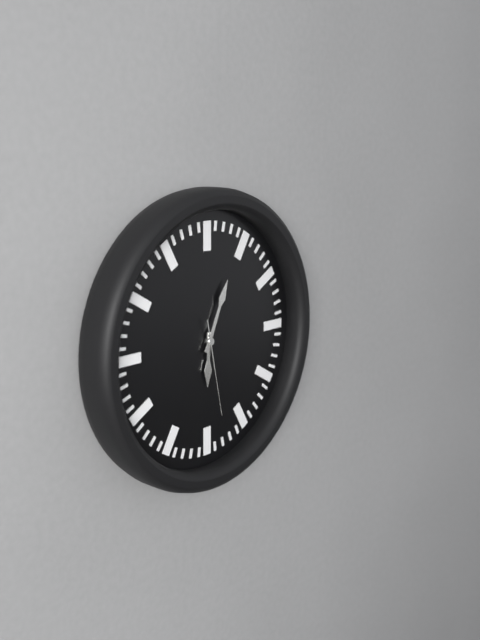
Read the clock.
6:04:28
